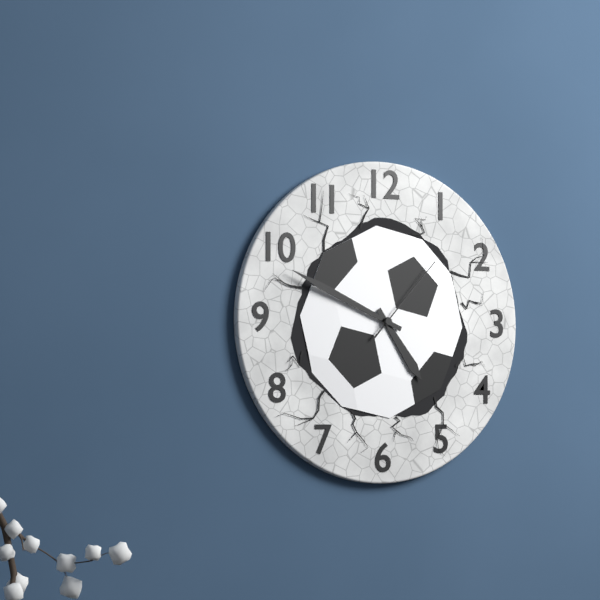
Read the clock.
4:49:07
